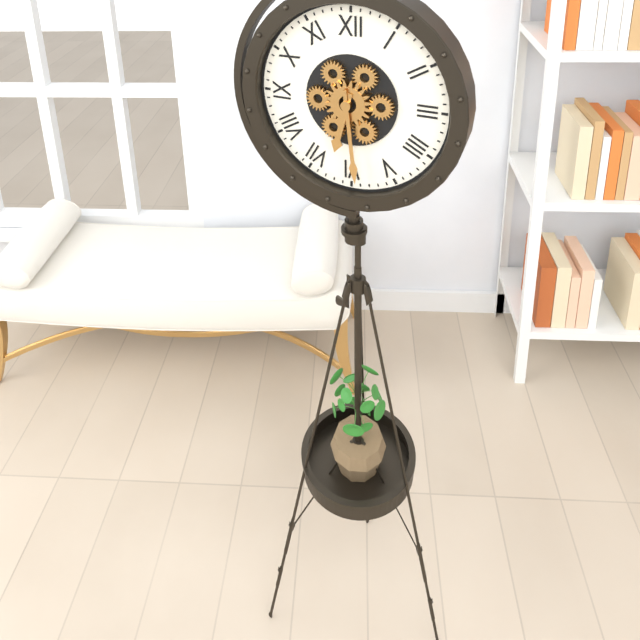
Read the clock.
6:29
